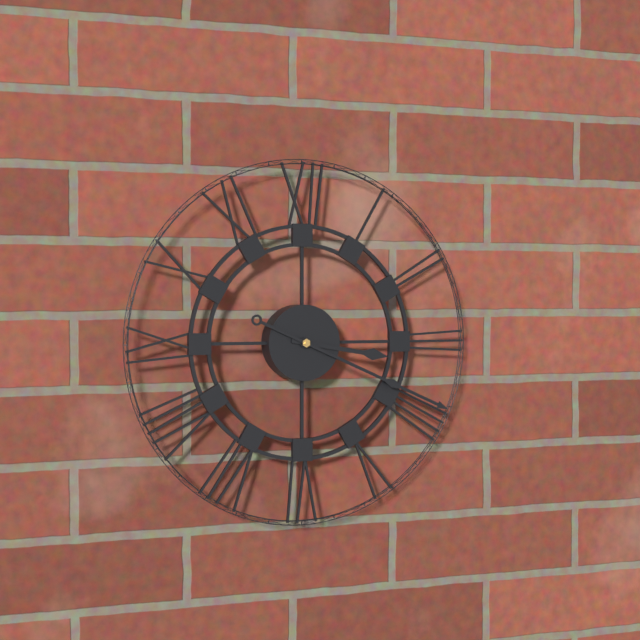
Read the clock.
3:19
